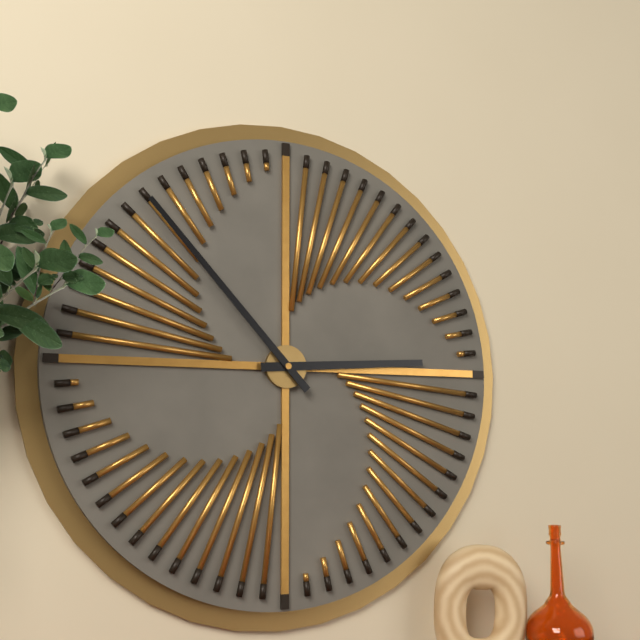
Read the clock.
2:53
